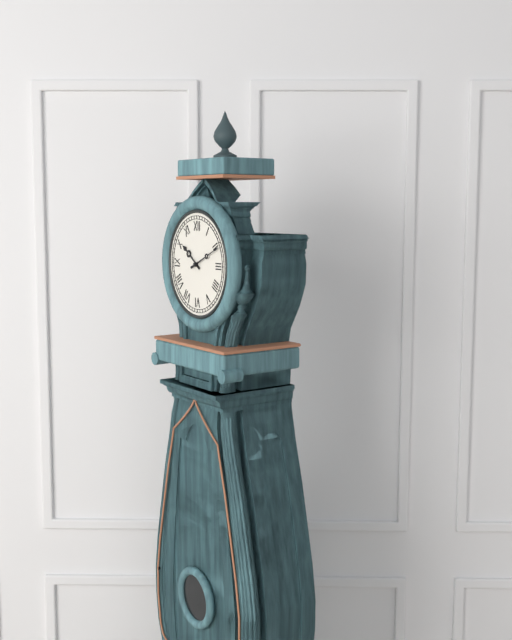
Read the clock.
10:11
